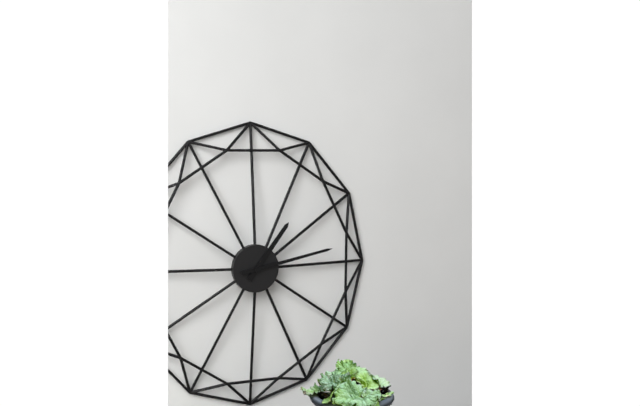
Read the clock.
1:13
